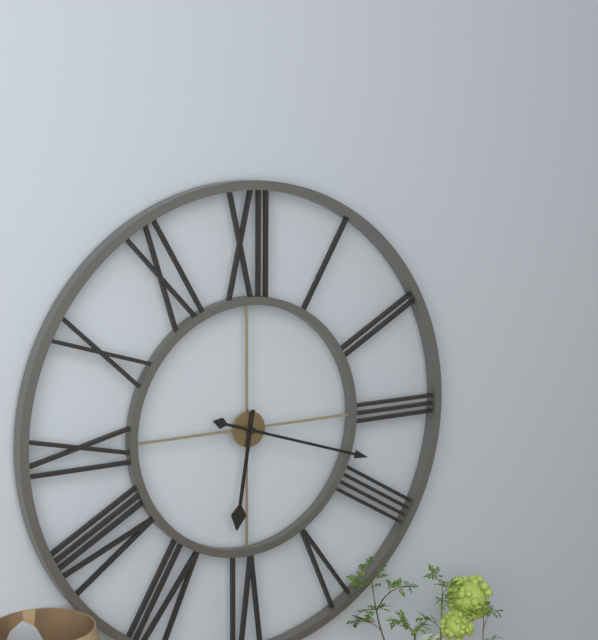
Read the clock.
6:18
